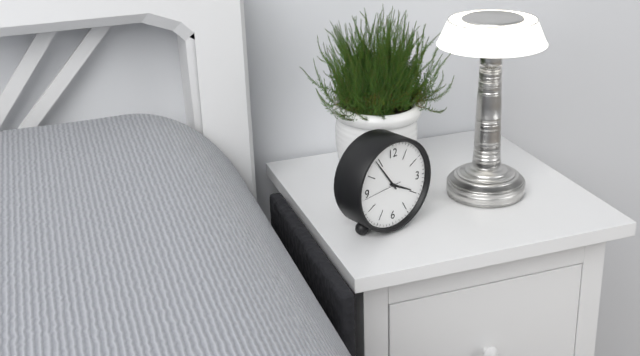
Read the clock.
3:54
